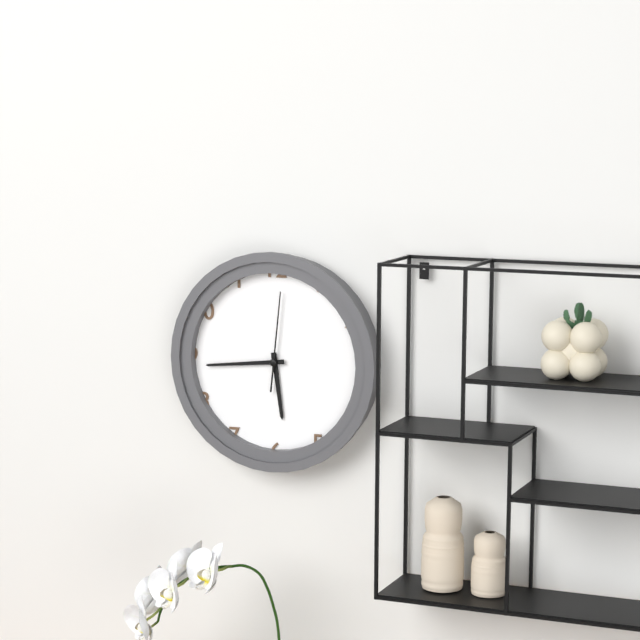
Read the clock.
5:44:01
